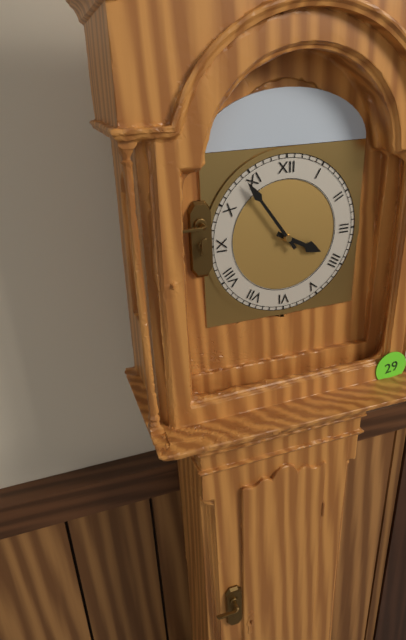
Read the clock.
3:54
